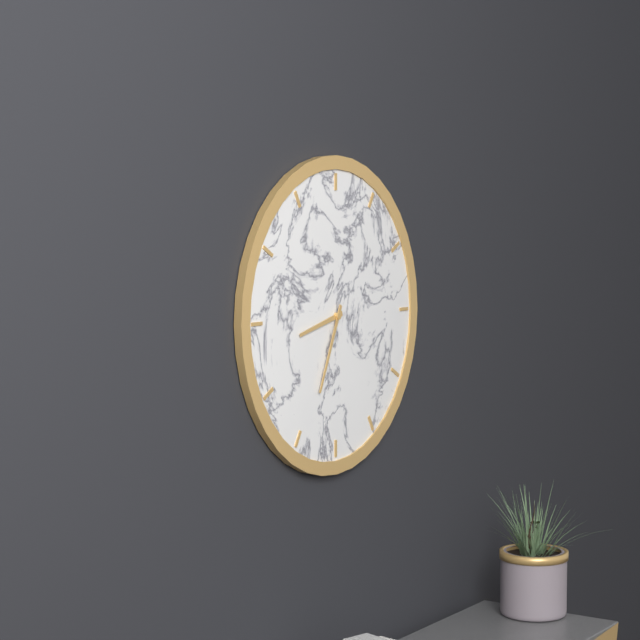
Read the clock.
8:34
